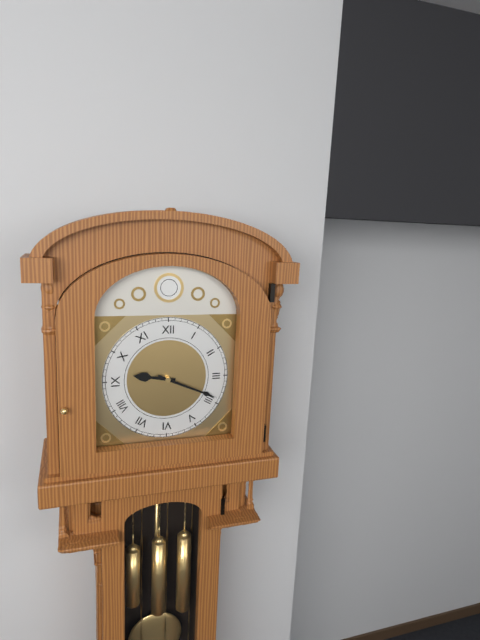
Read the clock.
9:19
